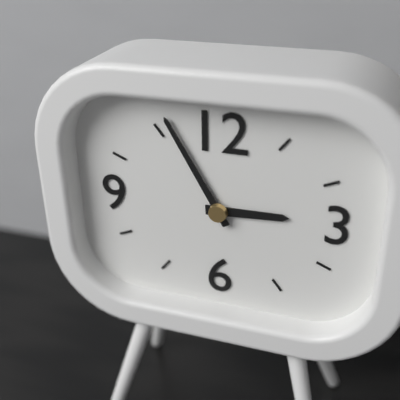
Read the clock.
2:55
